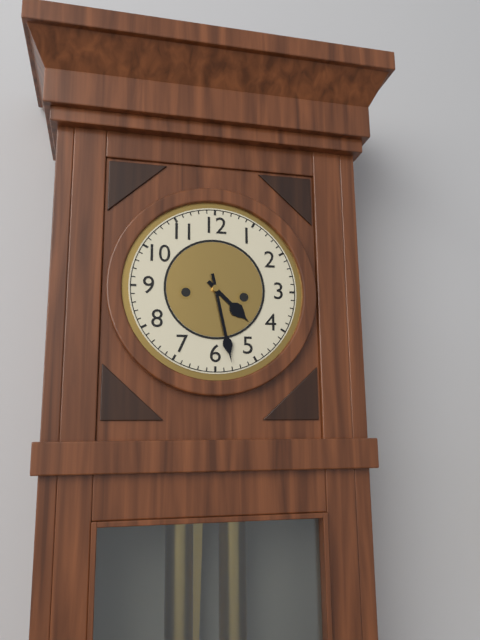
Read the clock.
4:28
